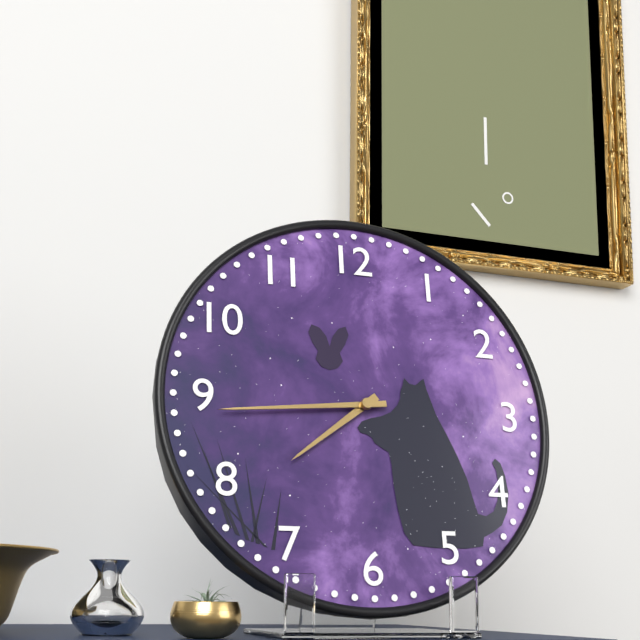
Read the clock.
7:44
